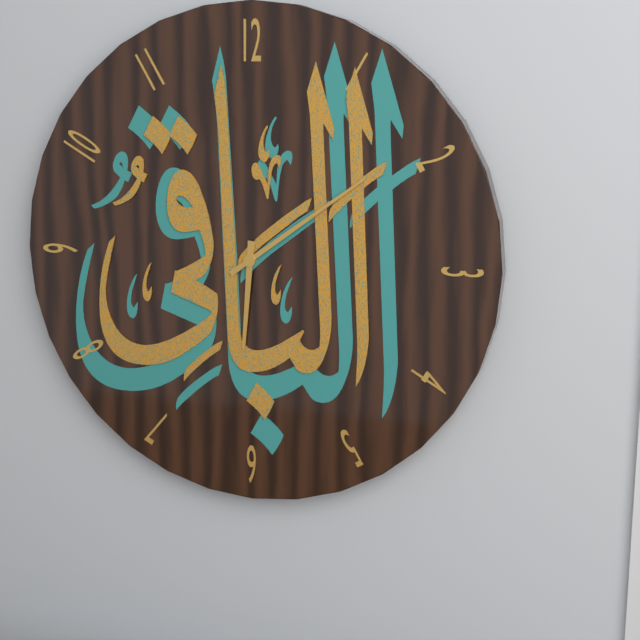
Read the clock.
6:09
